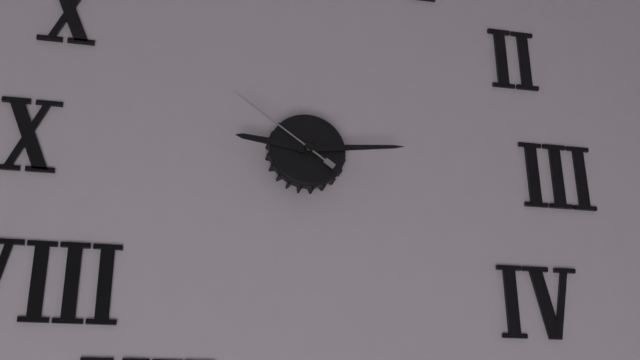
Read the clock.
9:14:51
